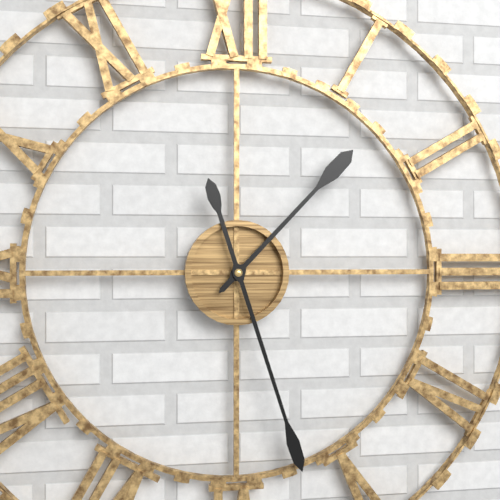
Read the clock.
1:27
